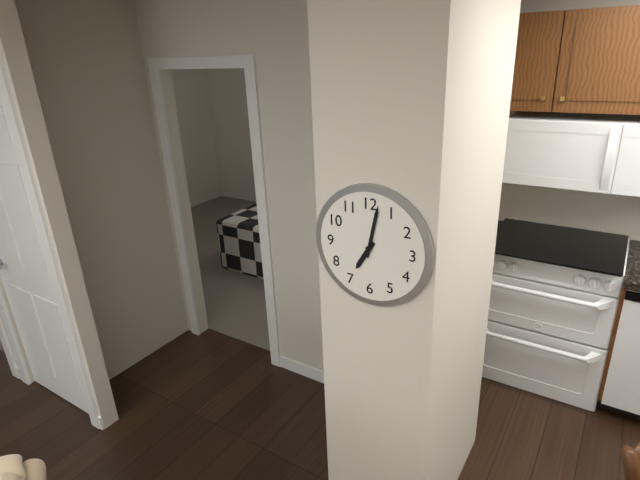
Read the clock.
7:02
